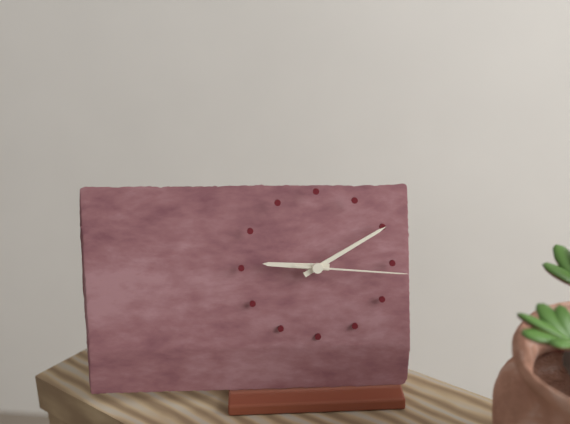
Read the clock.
9:10:16
